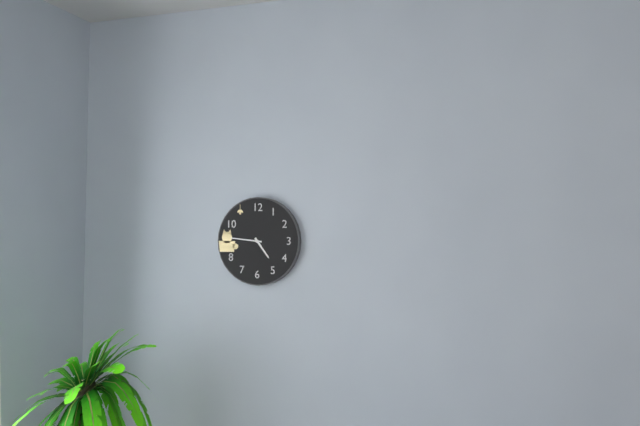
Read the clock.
4:46
